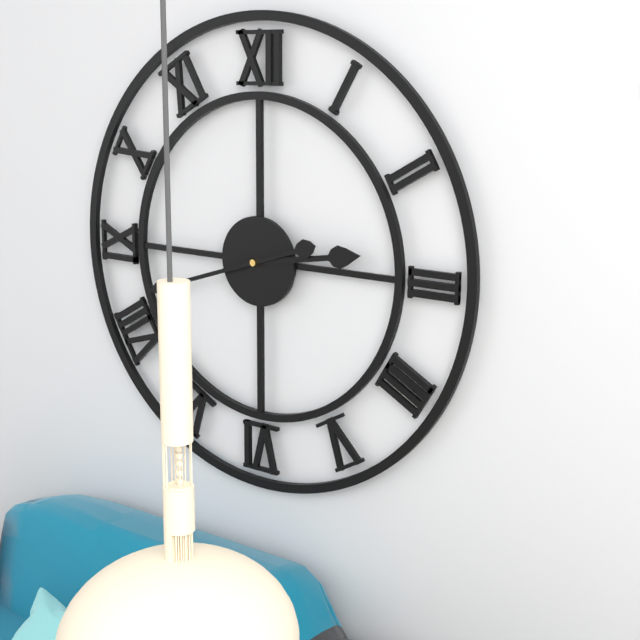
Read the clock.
2:42
